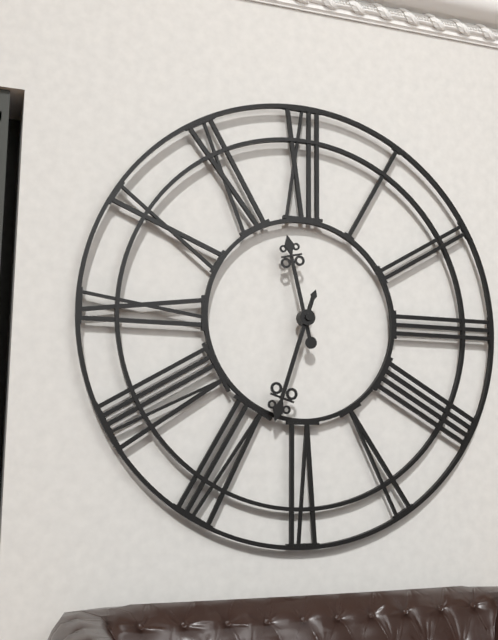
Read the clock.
11:33
